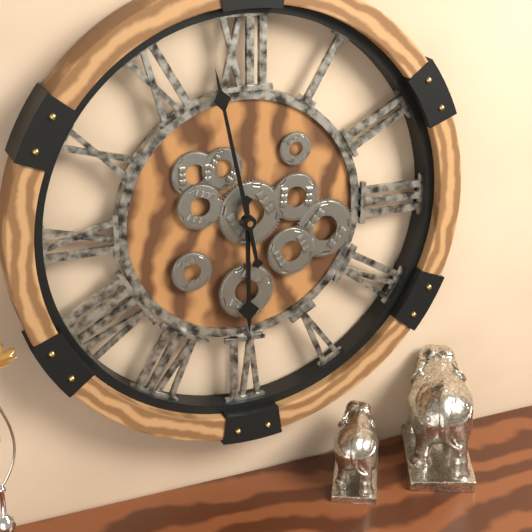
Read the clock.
5:58
